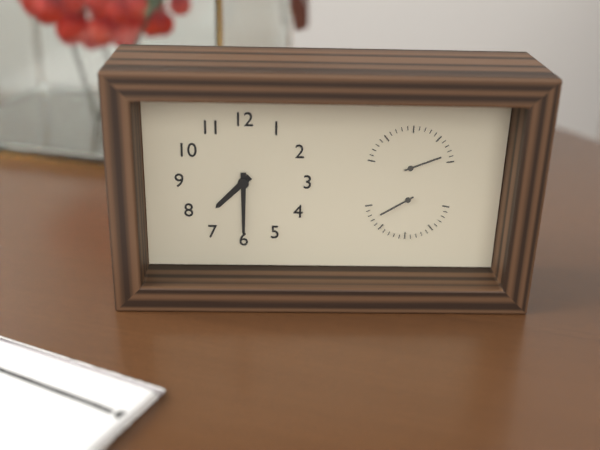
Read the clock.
7:30
